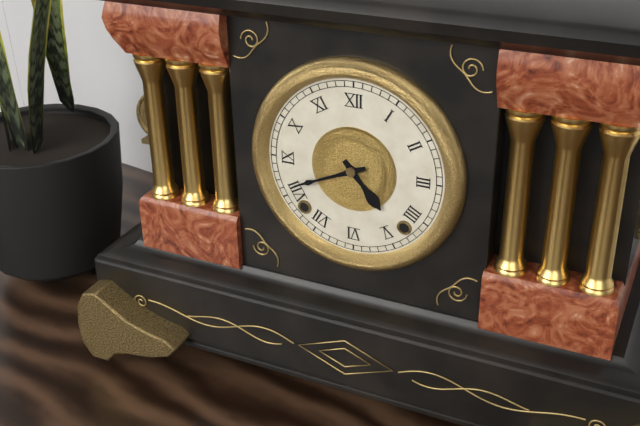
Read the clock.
4:41
